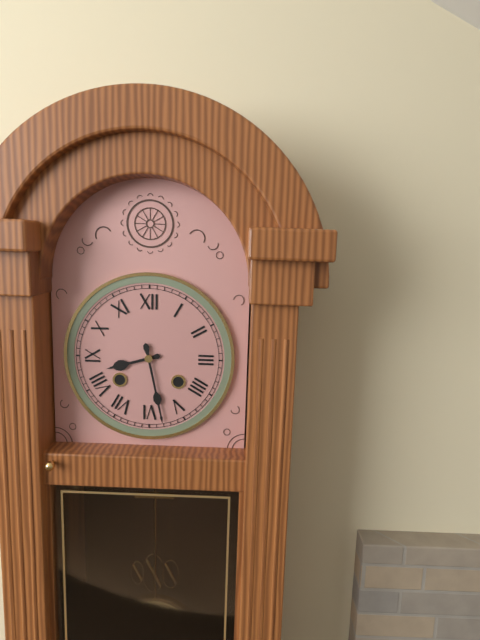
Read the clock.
8:28
